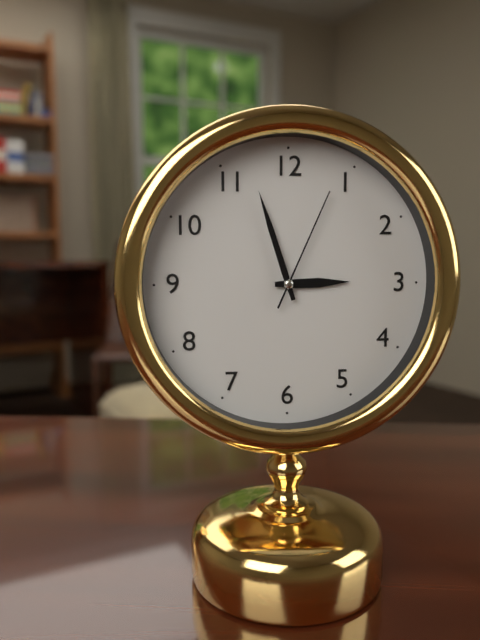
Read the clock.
2:57:04
